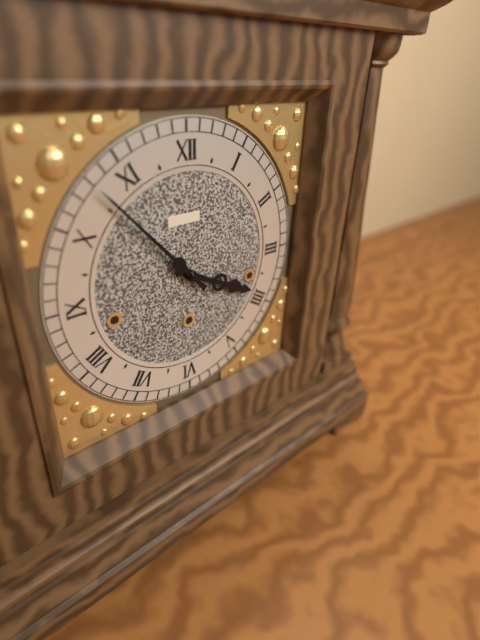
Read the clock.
3:53
